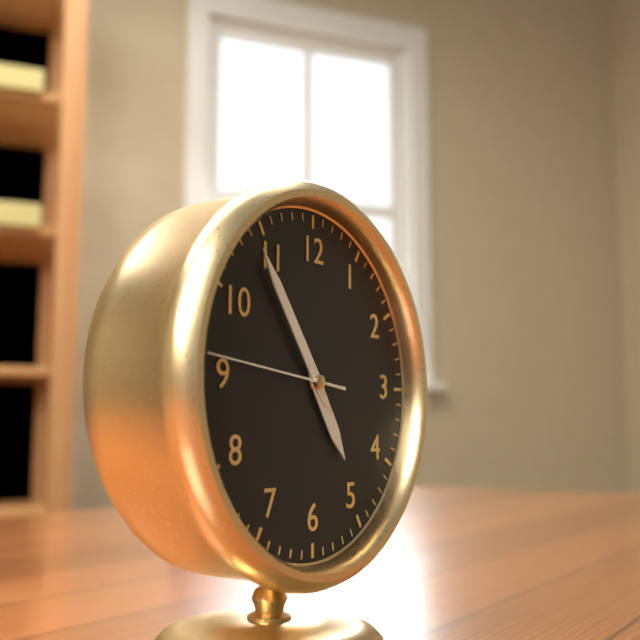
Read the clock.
4:54:46
